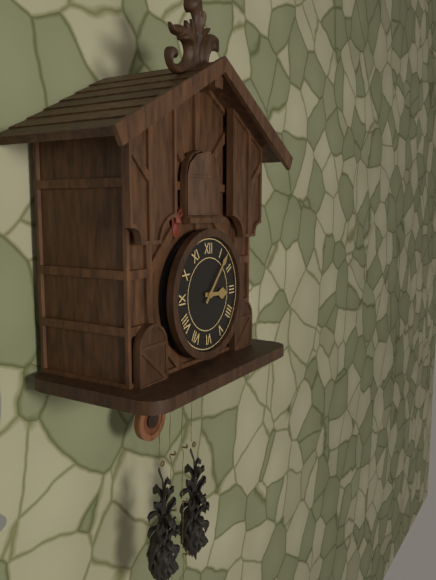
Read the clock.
3:07
